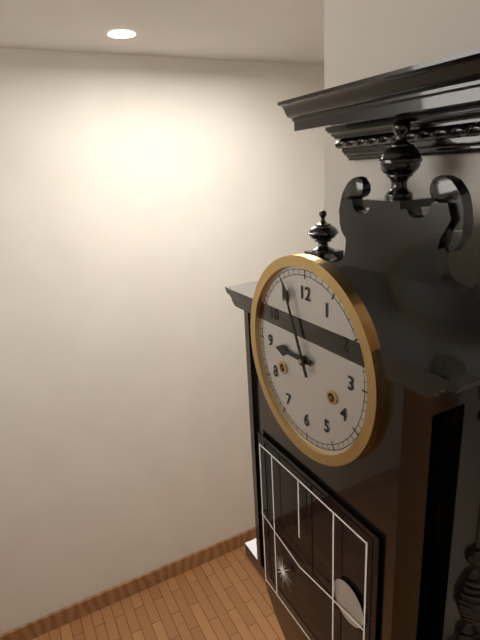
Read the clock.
8:56
